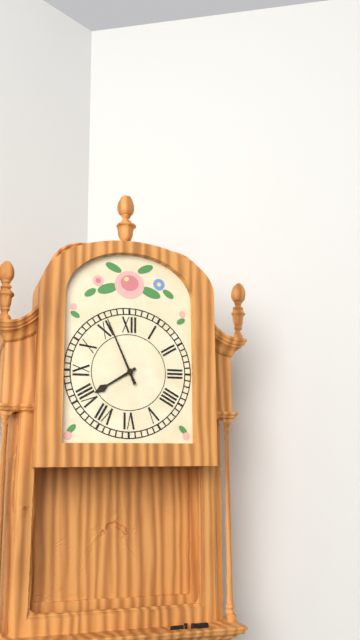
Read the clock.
7:56
